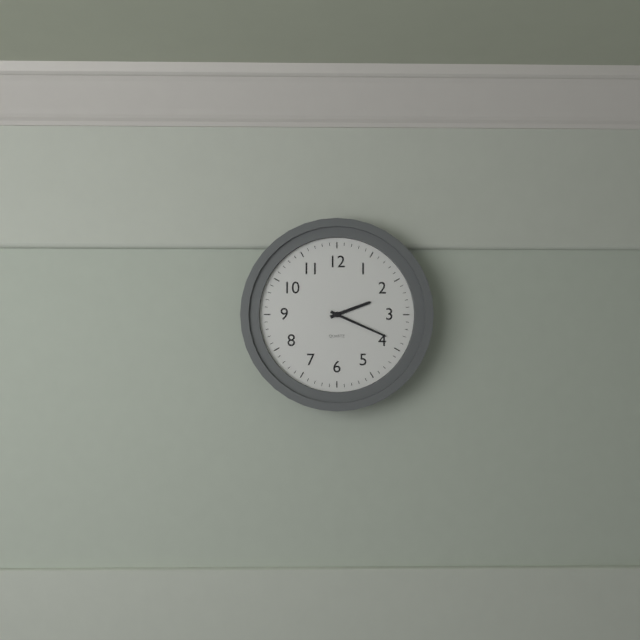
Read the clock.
2:19
